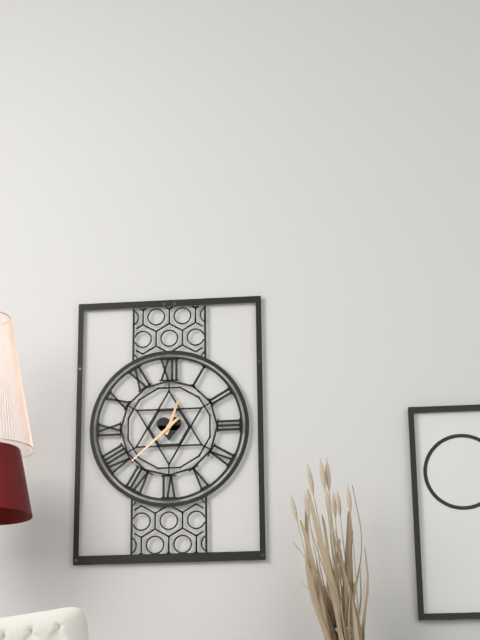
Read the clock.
12:38
